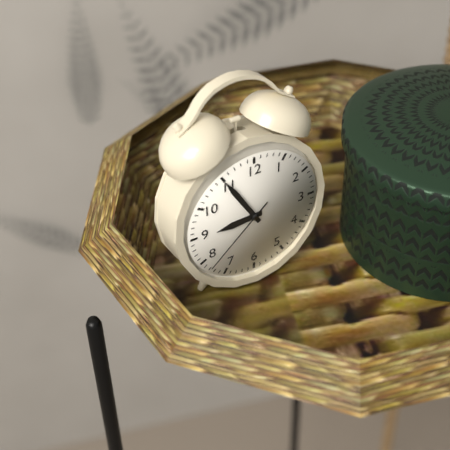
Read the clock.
8:55:38
